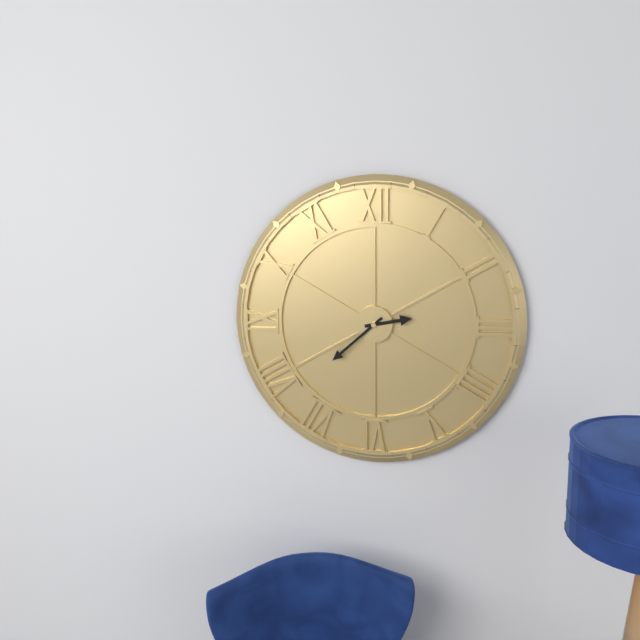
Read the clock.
2:38
